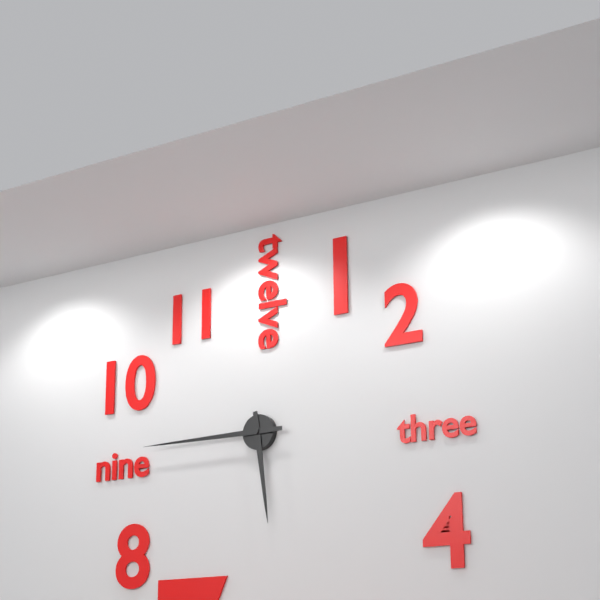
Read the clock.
5:45
